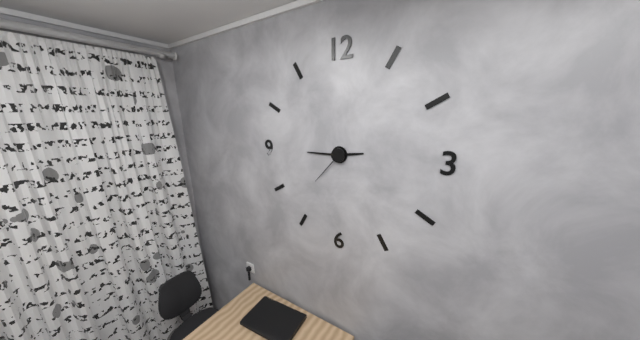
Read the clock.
2:45
